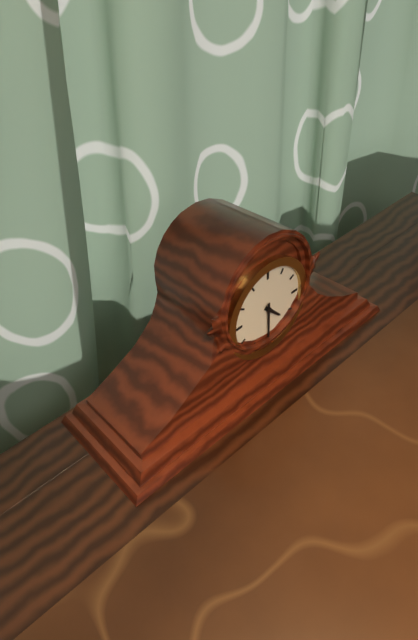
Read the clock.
4:30
